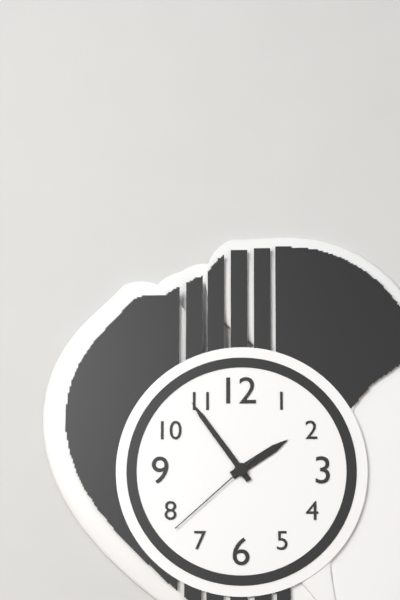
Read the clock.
1:54:38
